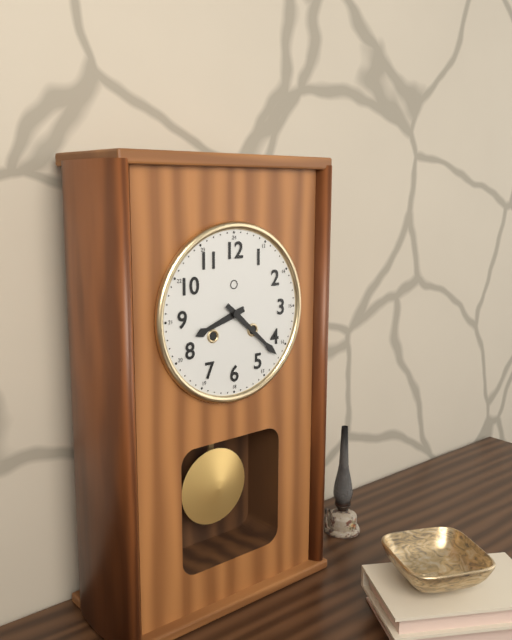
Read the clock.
8:22
